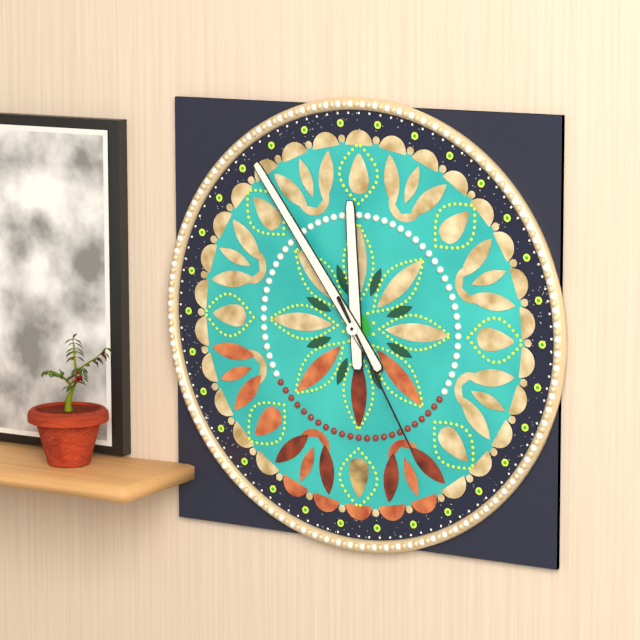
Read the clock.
11:54:25
